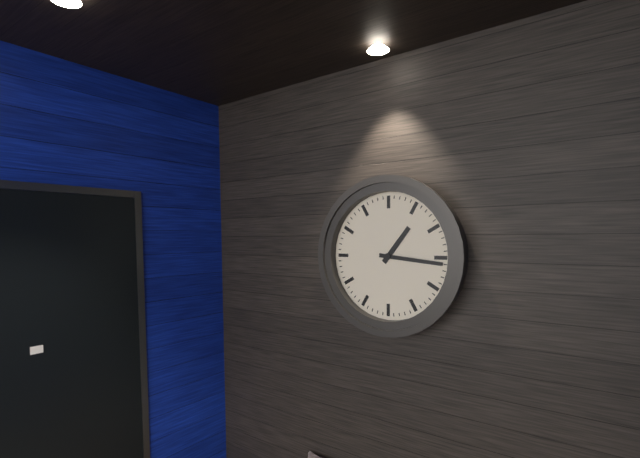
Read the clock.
1:16
